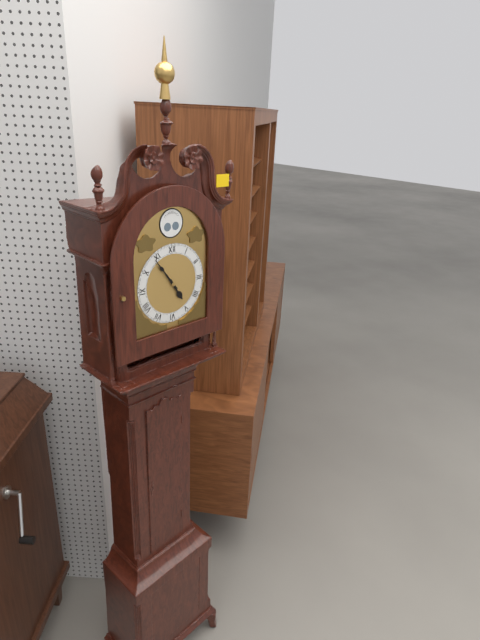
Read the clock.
4:54
